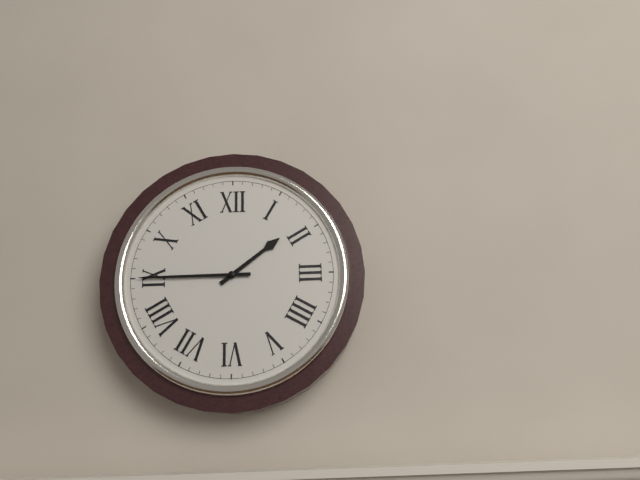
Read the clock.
1:45
